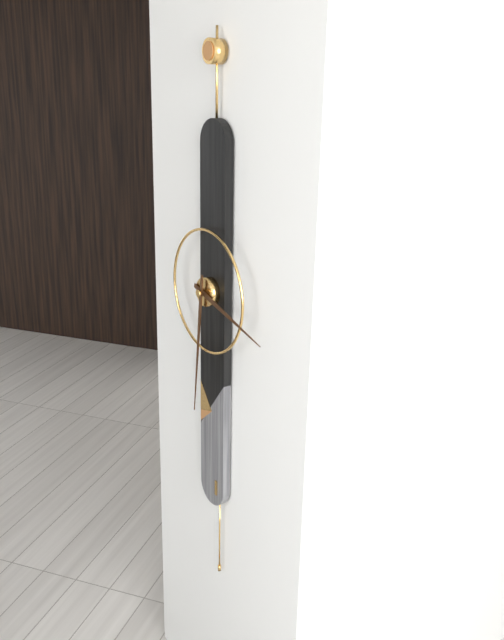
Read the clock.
3:31
